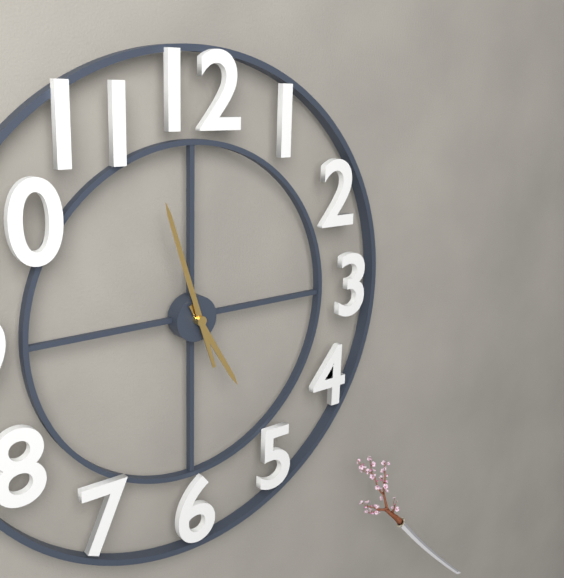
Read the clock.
4:57
